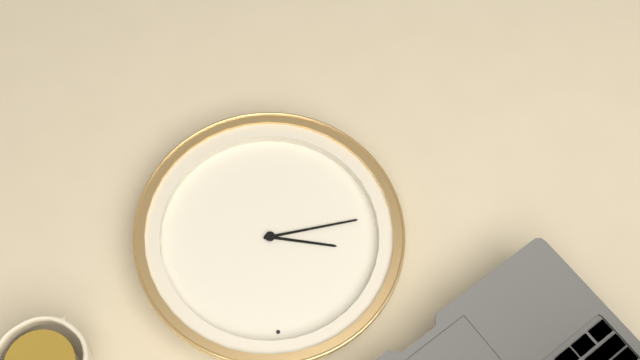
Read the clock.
8:40
